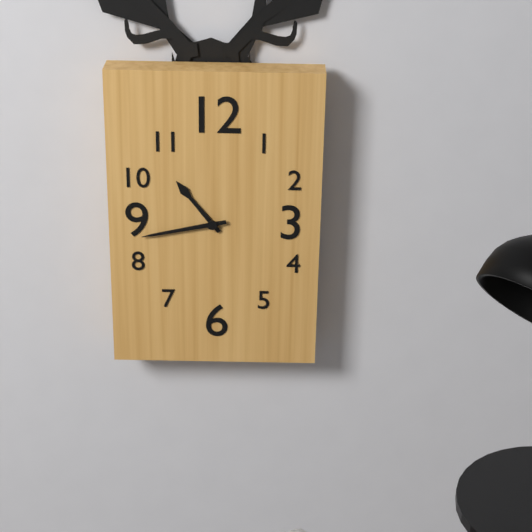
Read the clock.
10:43
